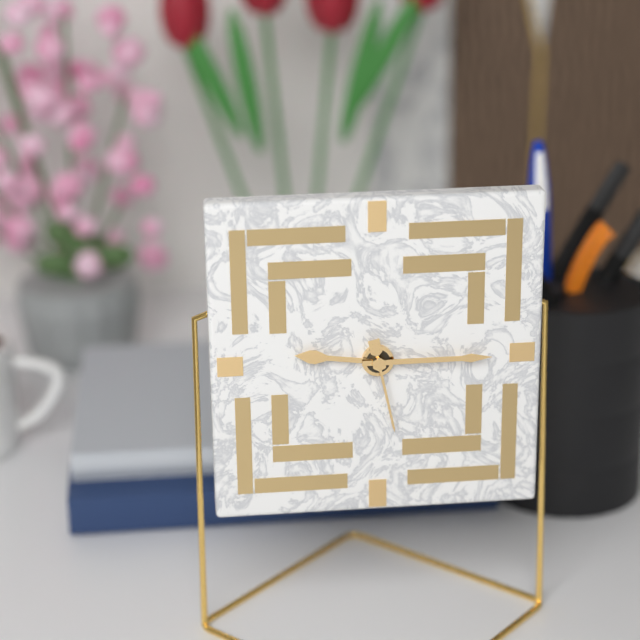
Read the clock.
9:15:28
